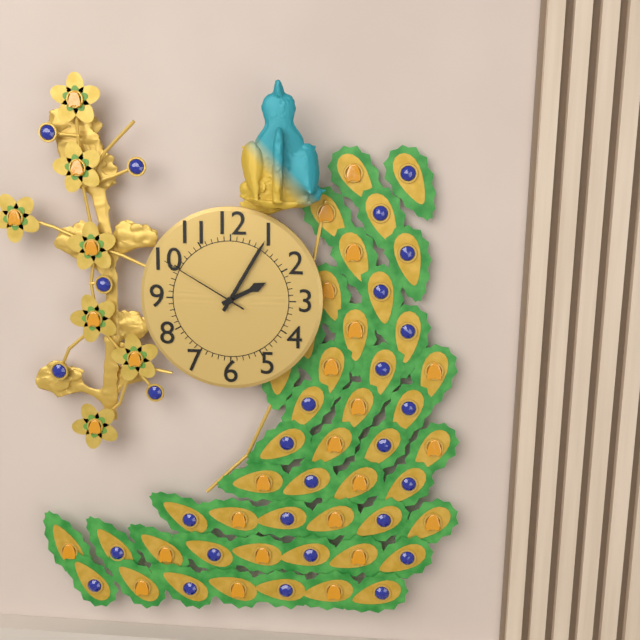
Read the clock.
2:05:50
